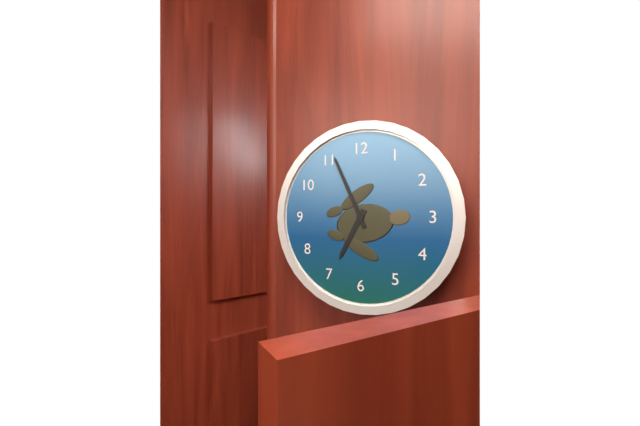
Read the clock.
6:56
